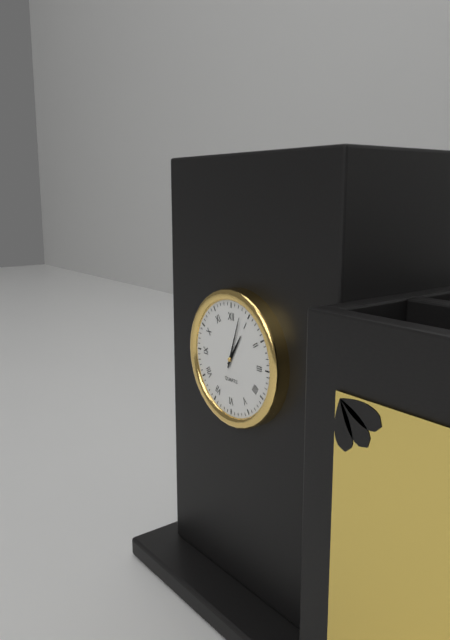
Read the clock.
1:03
